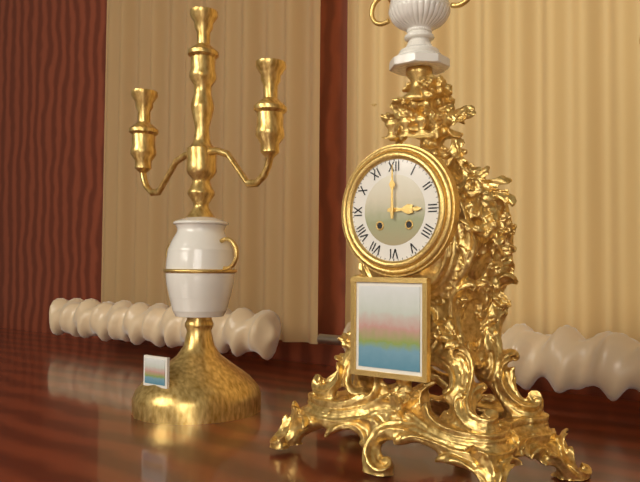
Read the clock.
3:00
